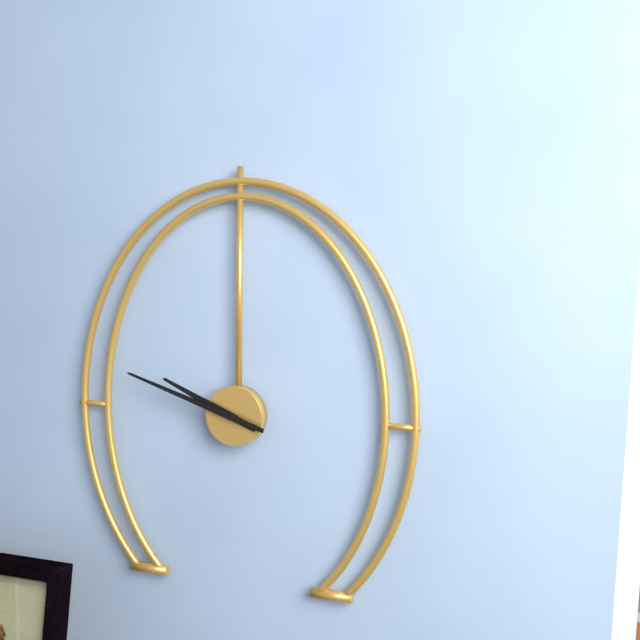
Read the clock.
9:48
